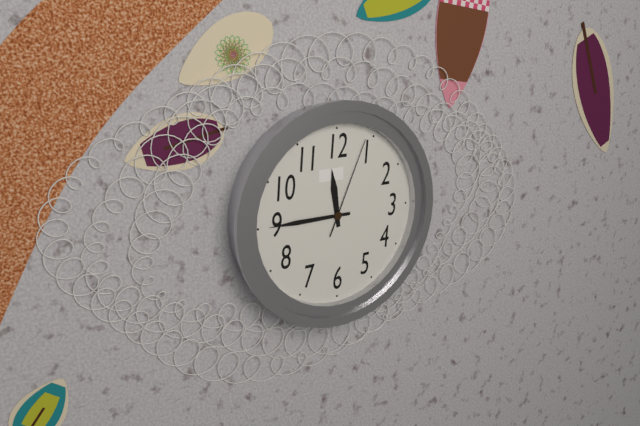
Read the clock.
11:45:04
